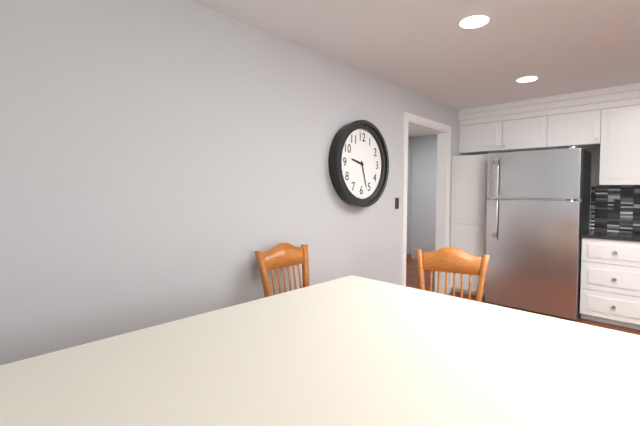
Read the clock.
9:27
